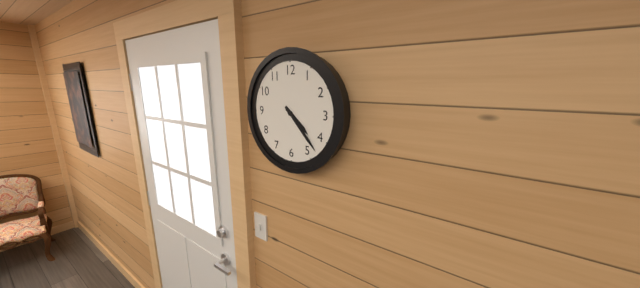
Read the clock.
4:23
